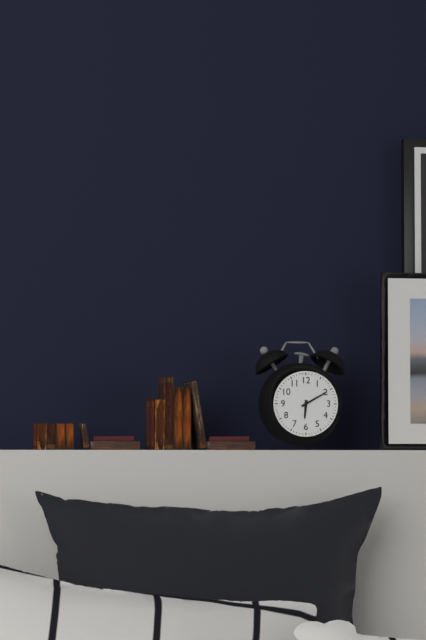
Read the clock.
6:10
